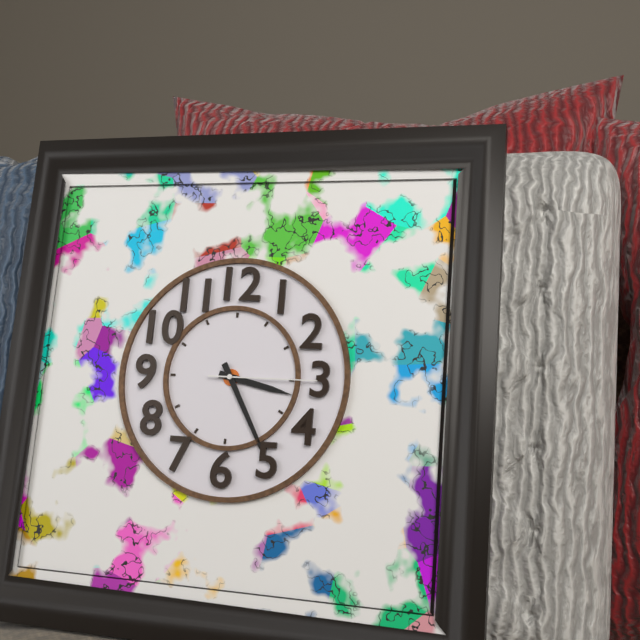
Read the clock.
3:25:15
